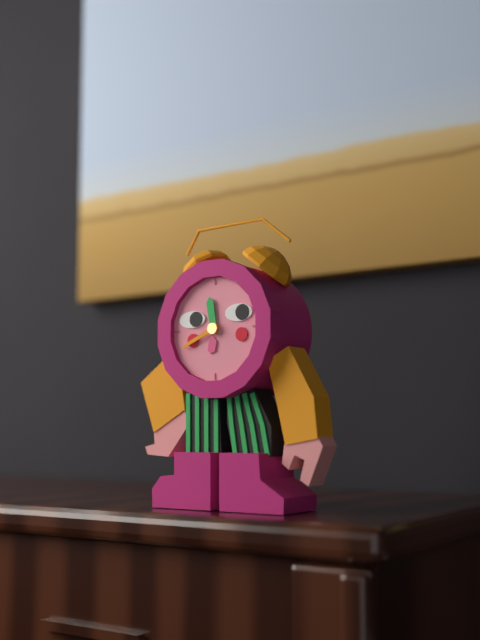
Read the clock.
11:41
